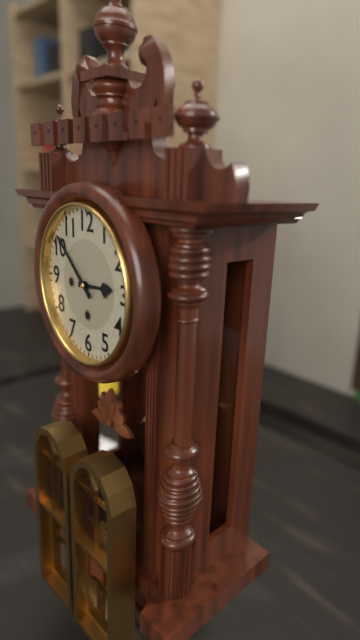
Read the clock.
2:52
